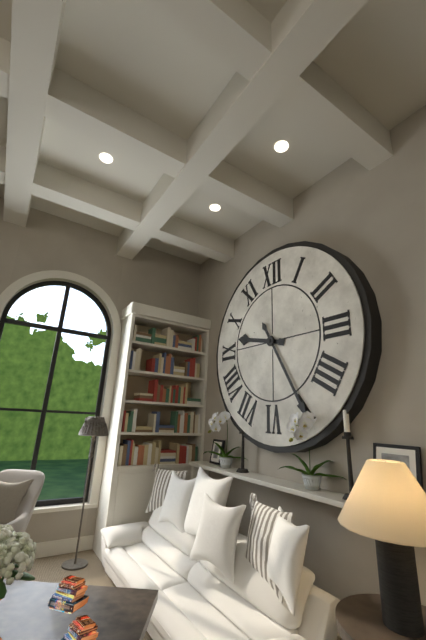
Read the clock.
9:25
